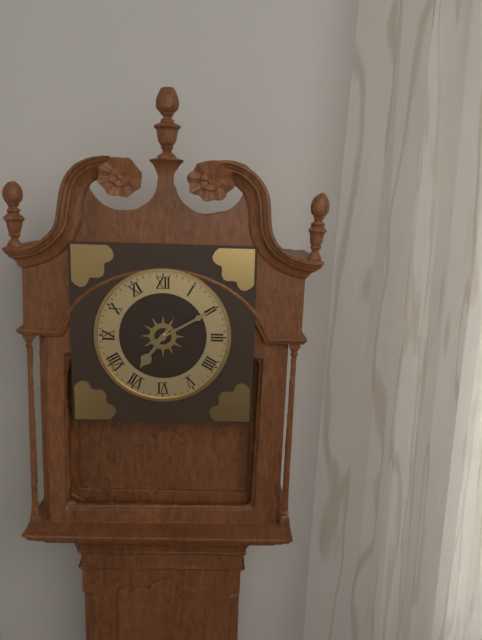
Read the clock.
7:10
